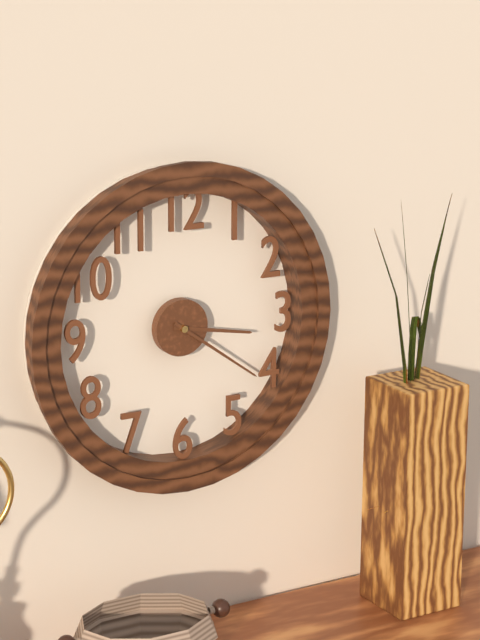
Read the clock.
3:21
